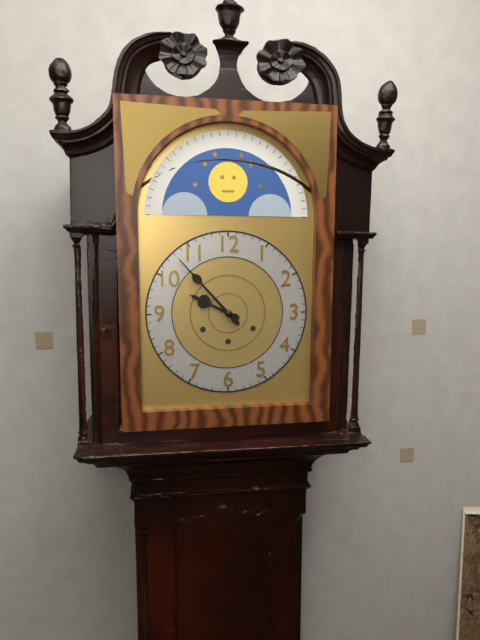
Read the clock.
9:53
